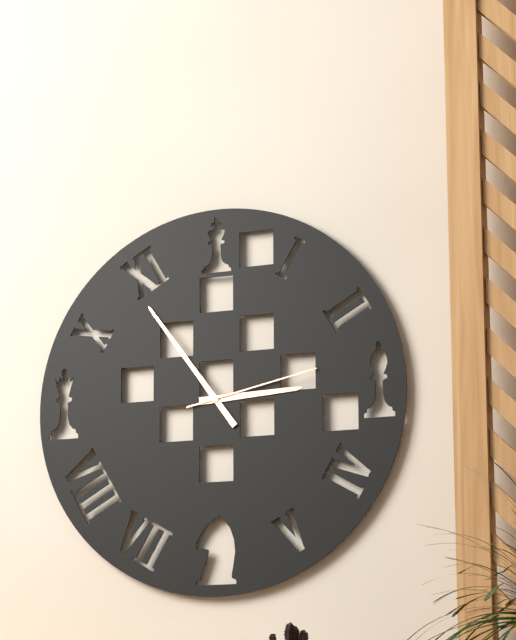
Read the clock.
2:54:13
